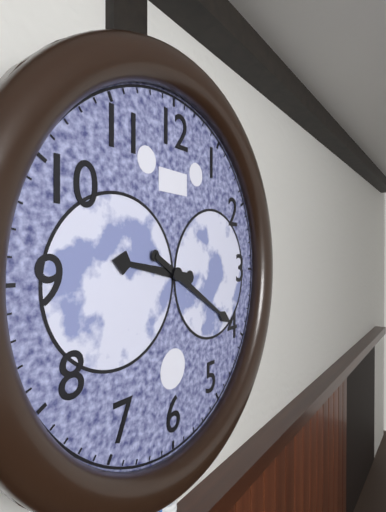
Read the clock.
9:20
